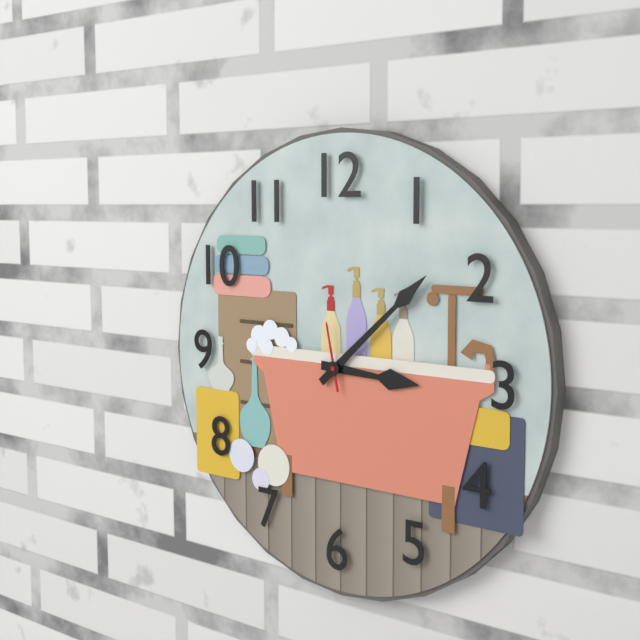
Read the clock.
3:08:58
